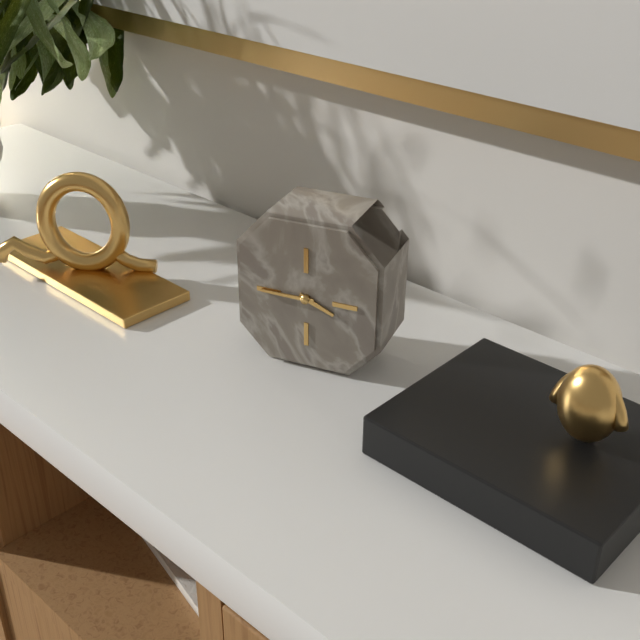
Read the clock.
3:45
